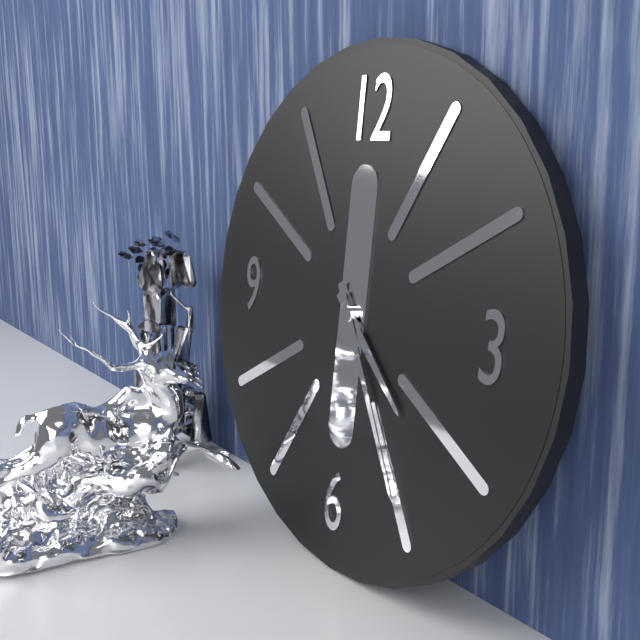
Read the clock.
4:25
